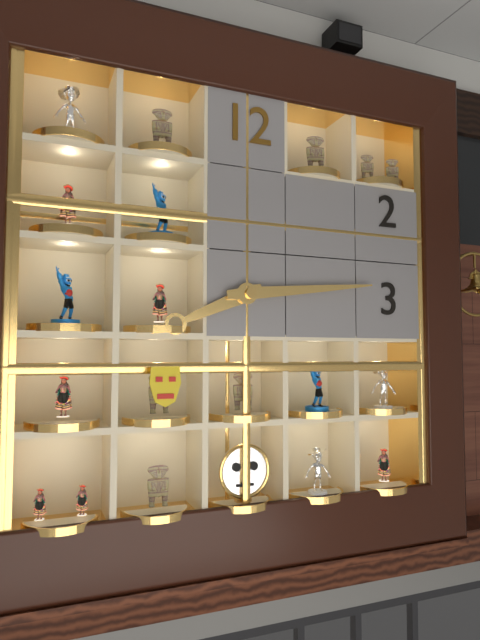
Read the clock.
8:14
